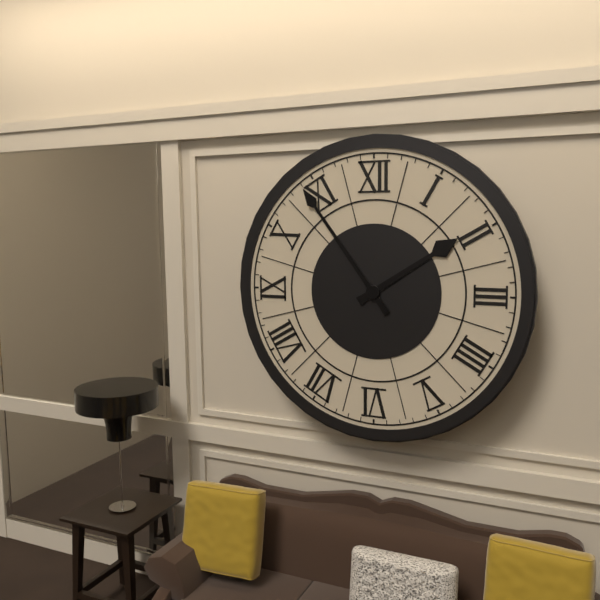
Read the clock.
1:54
